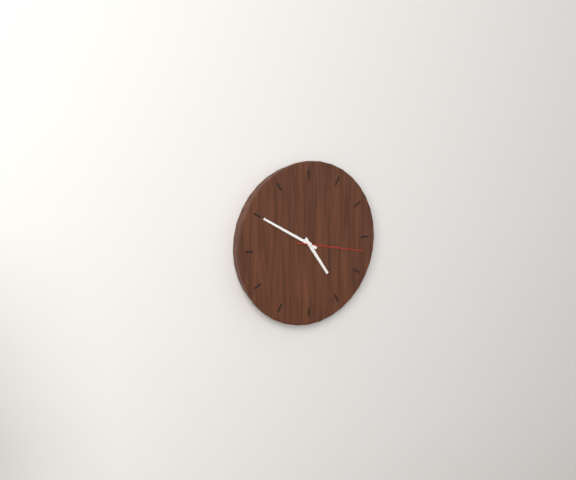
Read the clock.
4:50:17
